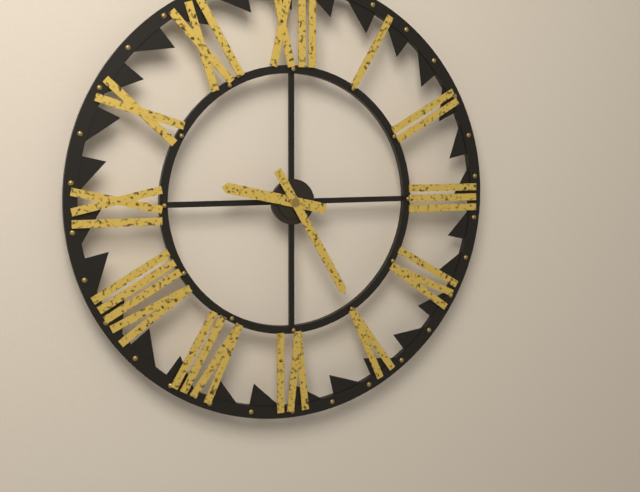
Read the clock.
9:25
